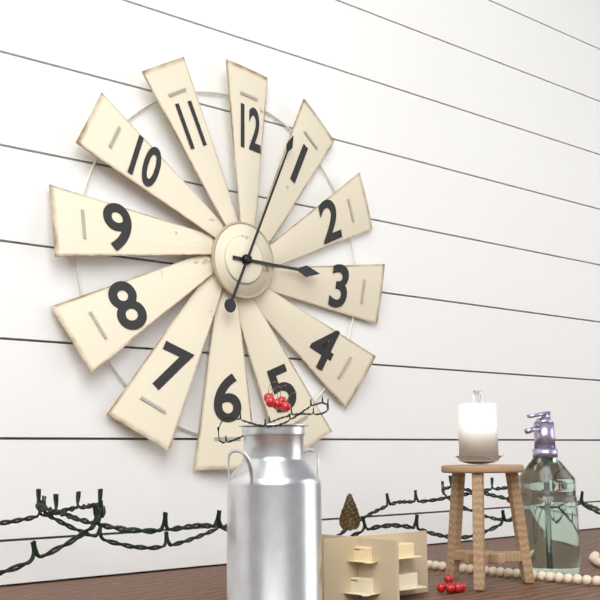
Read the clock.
3:04
